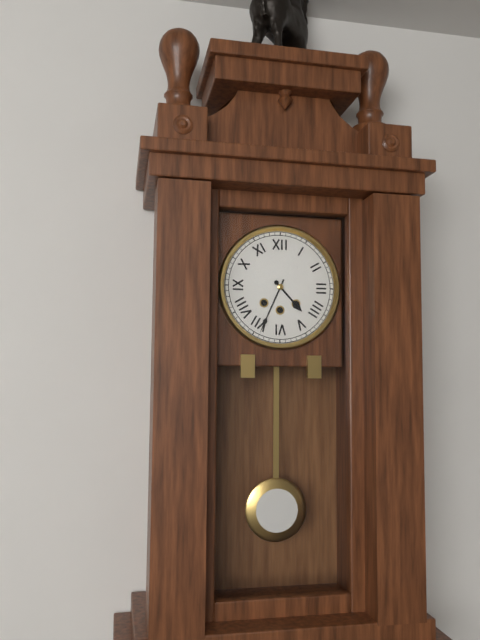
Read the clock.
4:34
